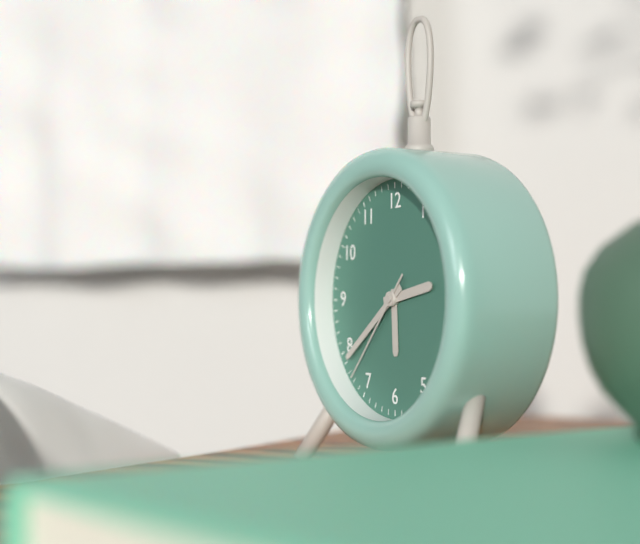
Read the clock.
2:39:37
